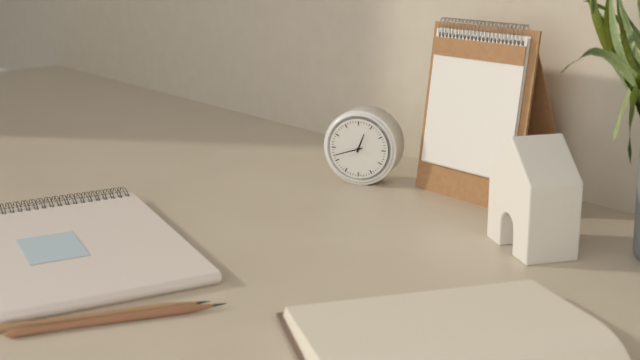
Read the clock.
12:42
